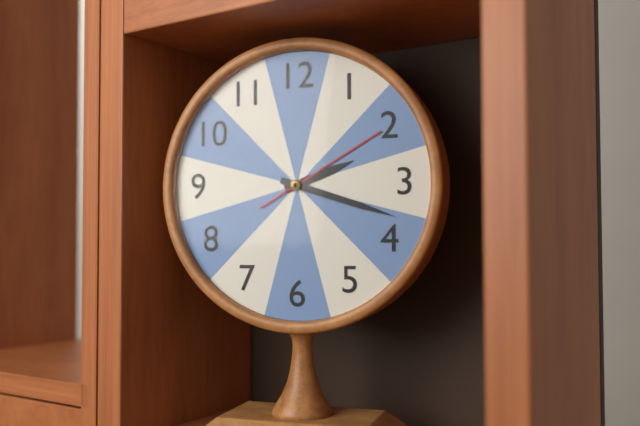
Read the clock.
2:18:10
